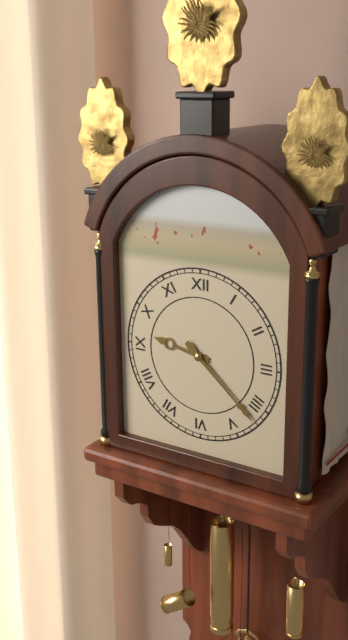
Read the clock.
9:22
